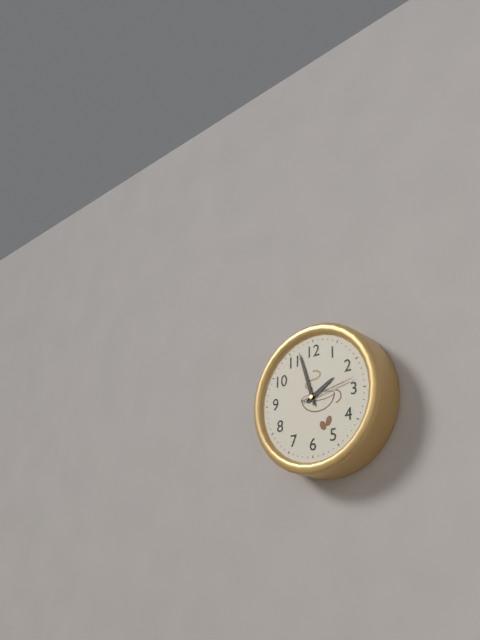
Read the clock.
1:57:13
